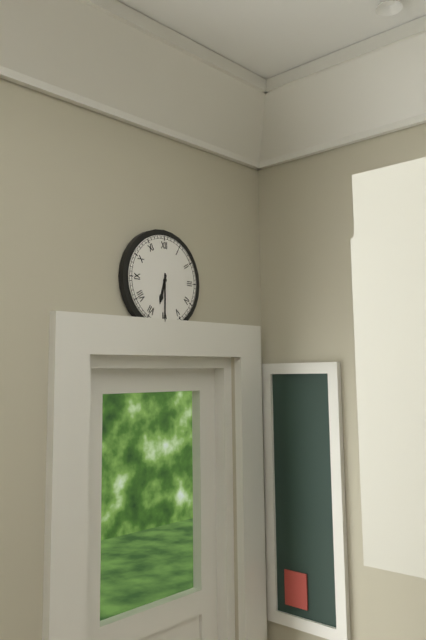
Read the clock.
6:30
